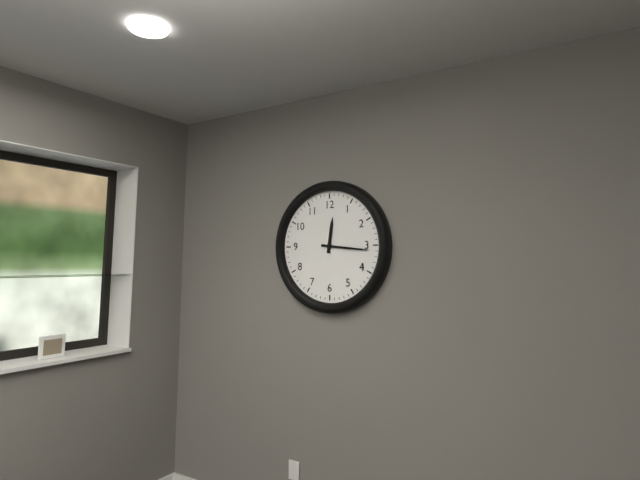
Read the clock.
12:16
